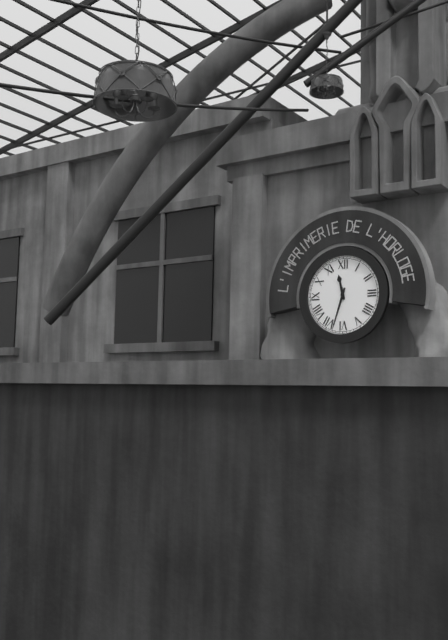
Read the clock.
11:33
